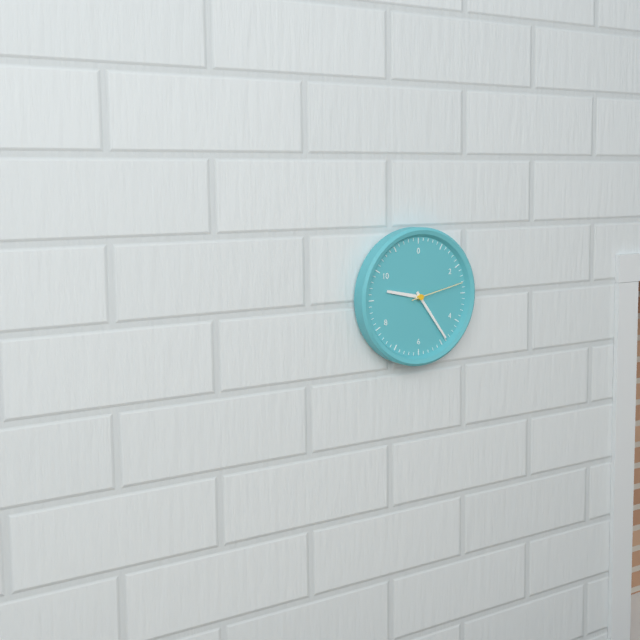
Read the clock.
9:24:13
